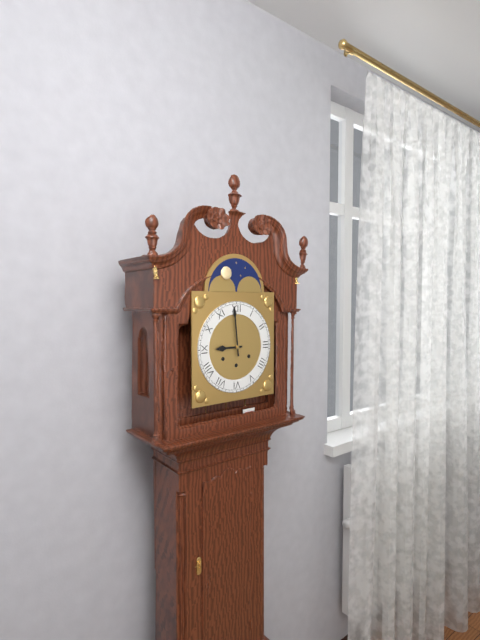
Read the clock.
8:59
